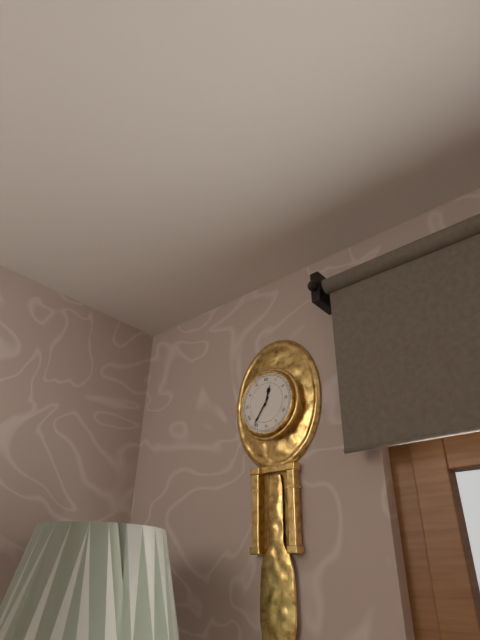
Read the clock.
12:36
